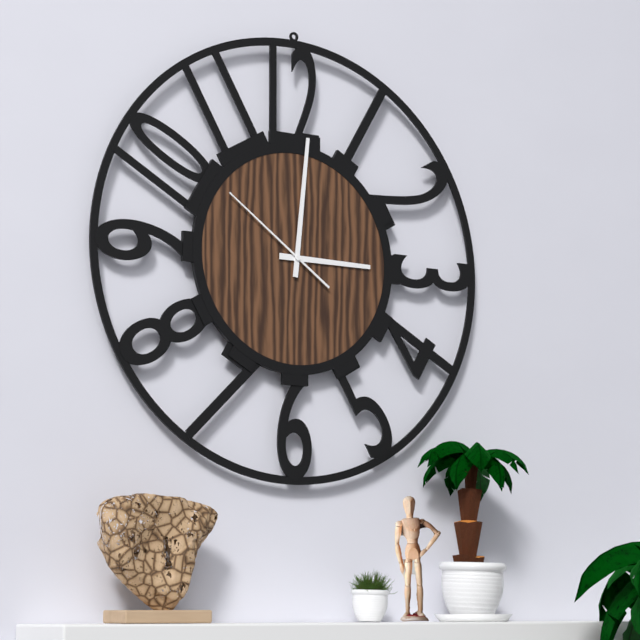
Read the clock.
3:01:51
